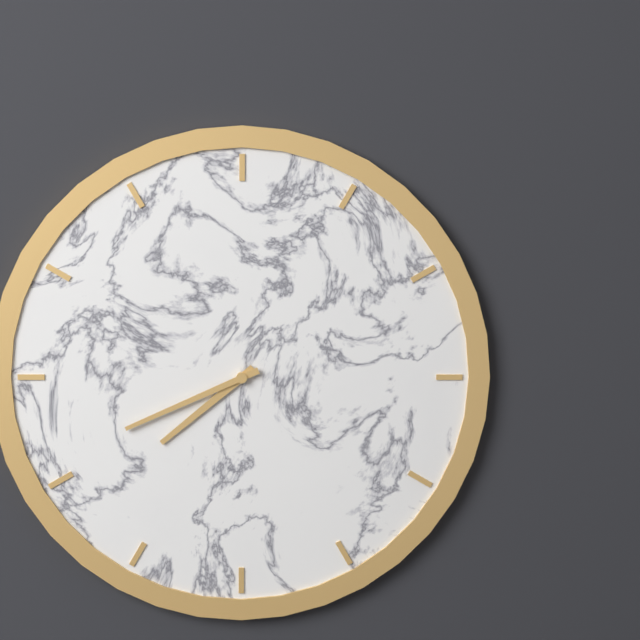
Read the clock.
7:41
